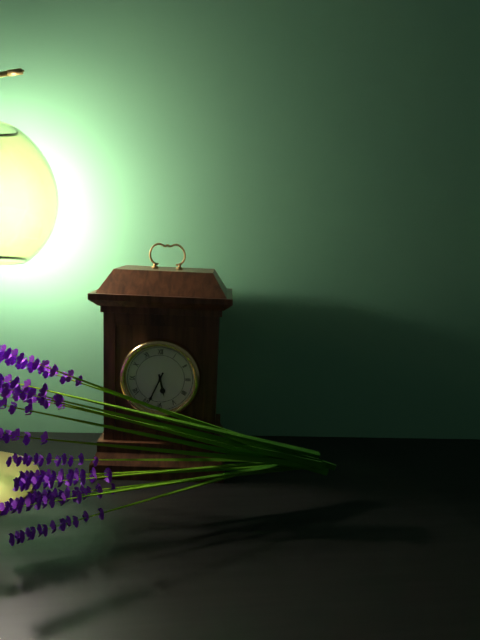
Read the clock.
5:34
